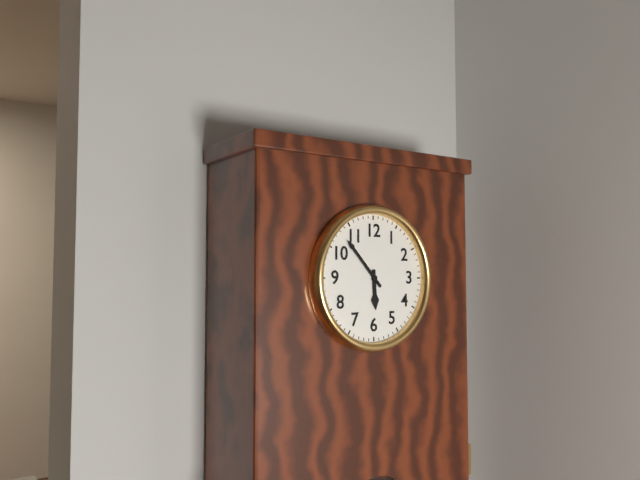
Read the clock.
5:53
